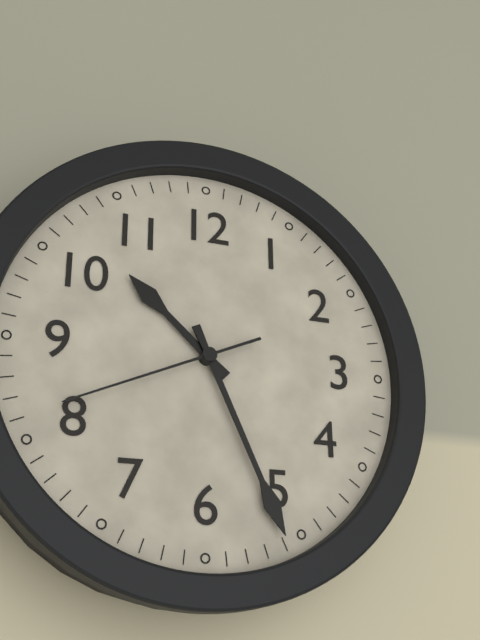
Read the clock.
10:26:41
